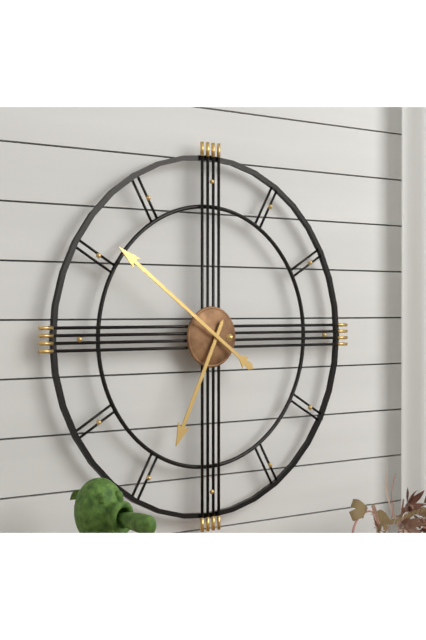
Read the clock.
6:51
